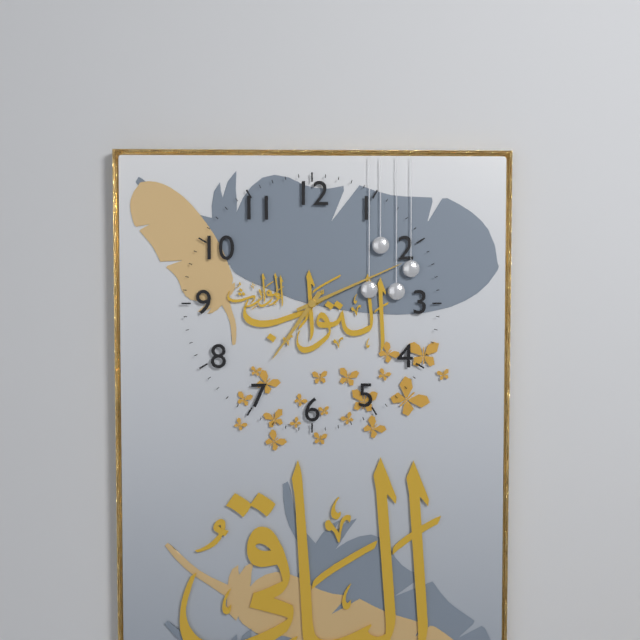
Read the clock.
7:11
